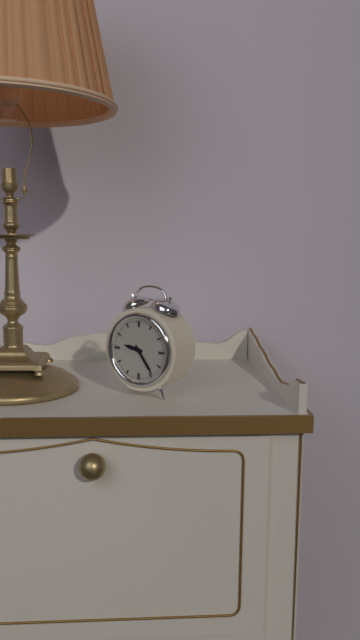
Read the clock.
9:24
